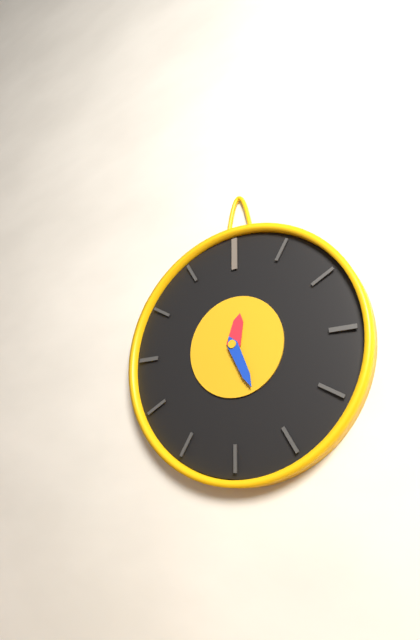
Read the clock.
12:26
